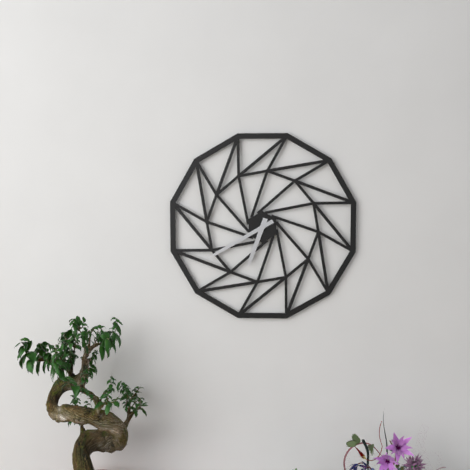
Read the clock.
6:40
